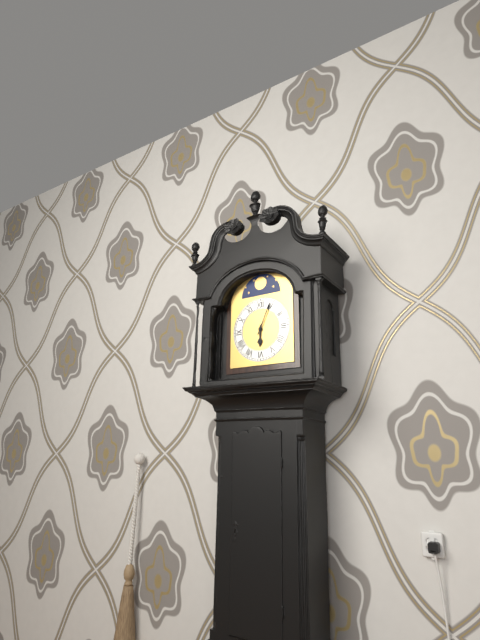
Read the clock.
6:04
